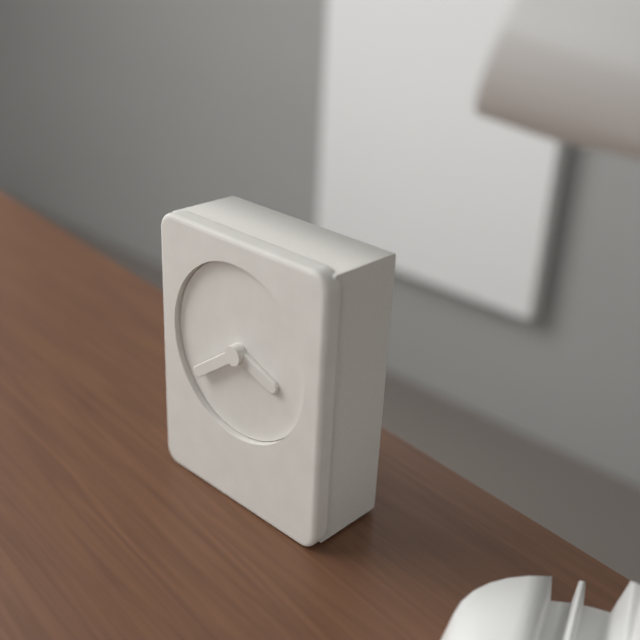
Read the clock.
3:39
